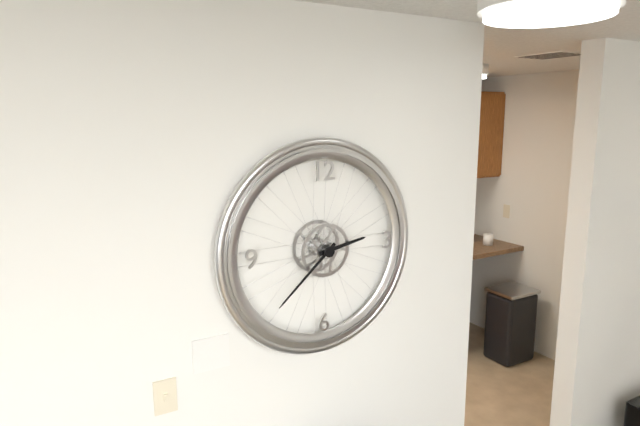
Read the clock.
2:38
